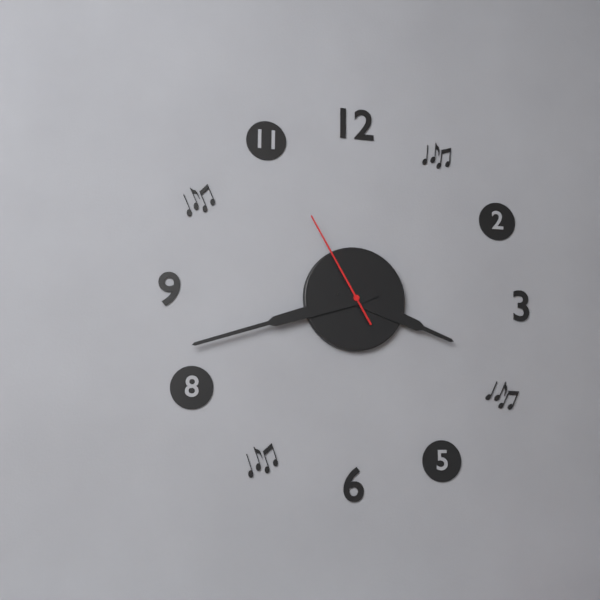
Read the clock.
3:42:55
